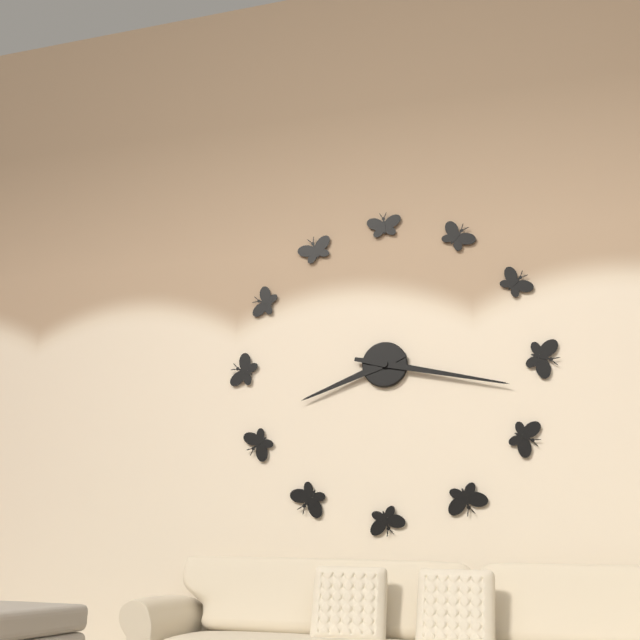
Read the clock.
8:17
